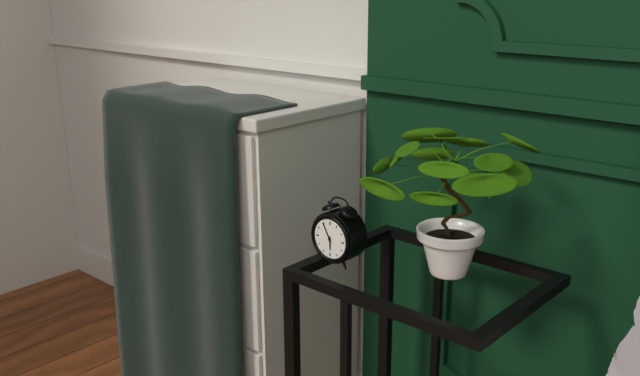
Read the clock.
5:55
